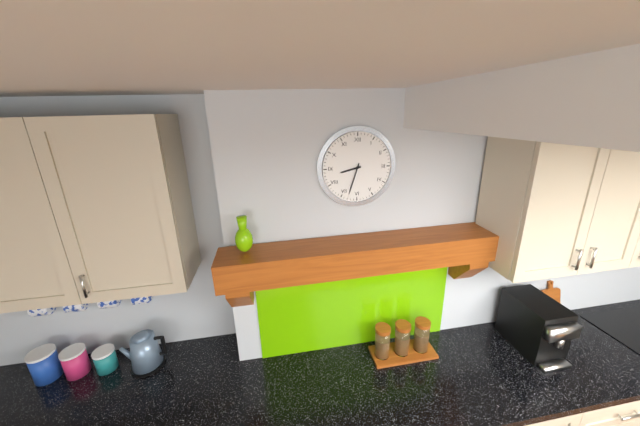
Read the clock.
8:33
